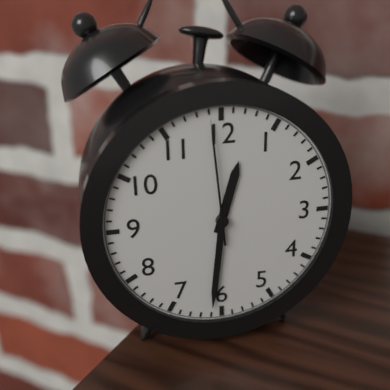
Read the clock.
12:31:59
